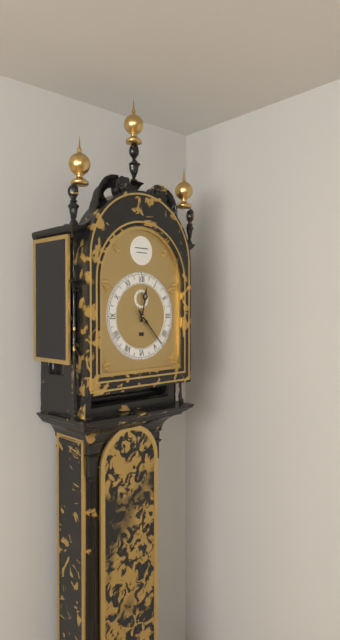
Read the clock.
12:23
